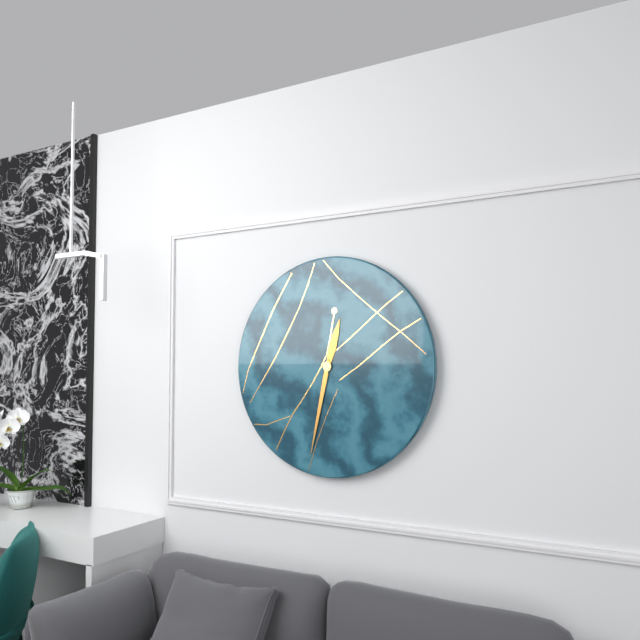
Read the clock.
12:32
